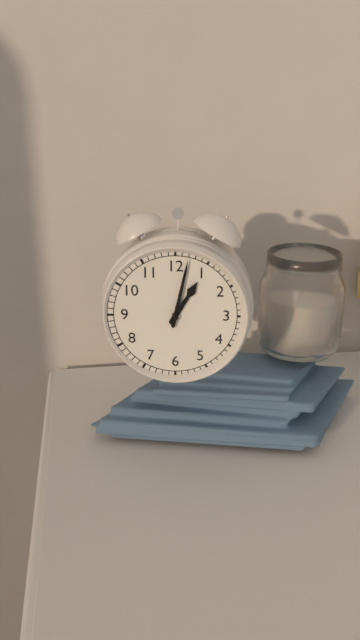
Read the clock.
1:02
